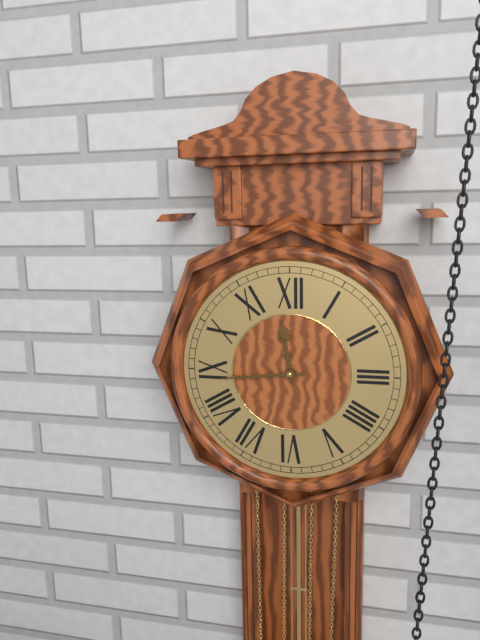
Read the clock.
11:44
